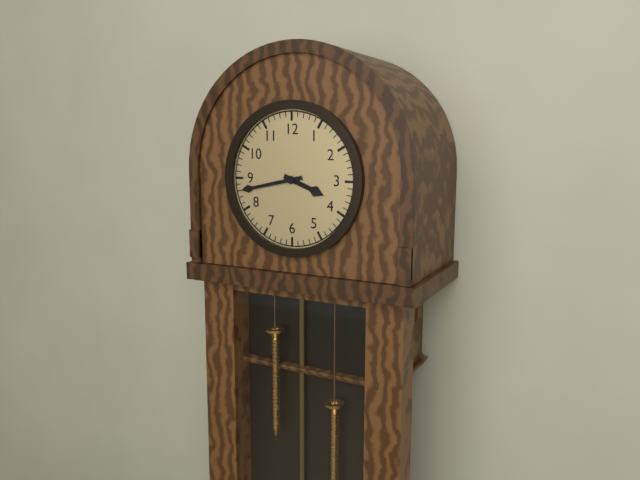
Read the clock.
3:43
